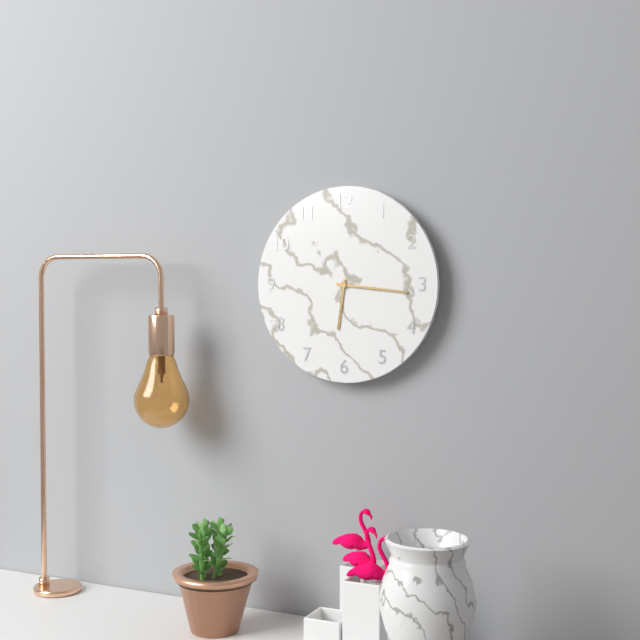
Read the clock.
6:16
